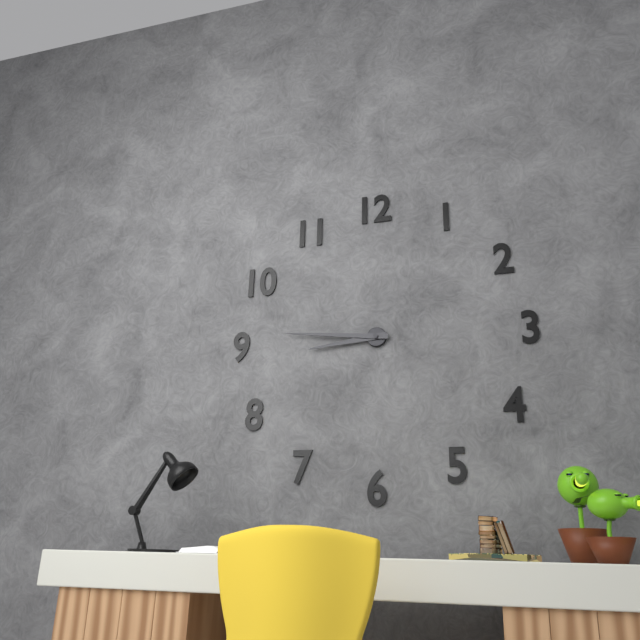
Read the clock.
8:46
